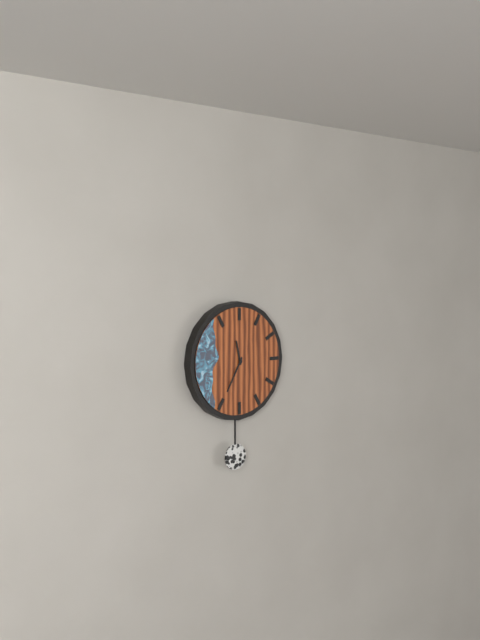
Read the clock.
11:35
